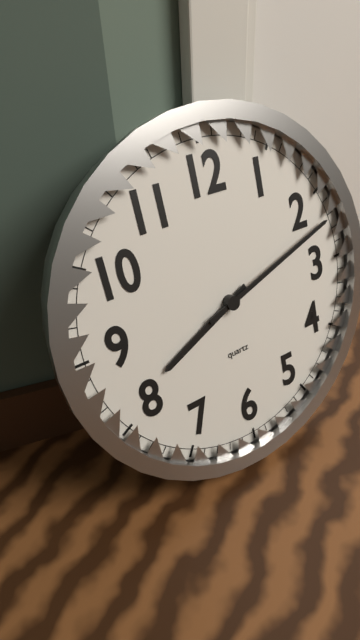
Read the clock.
8:12
